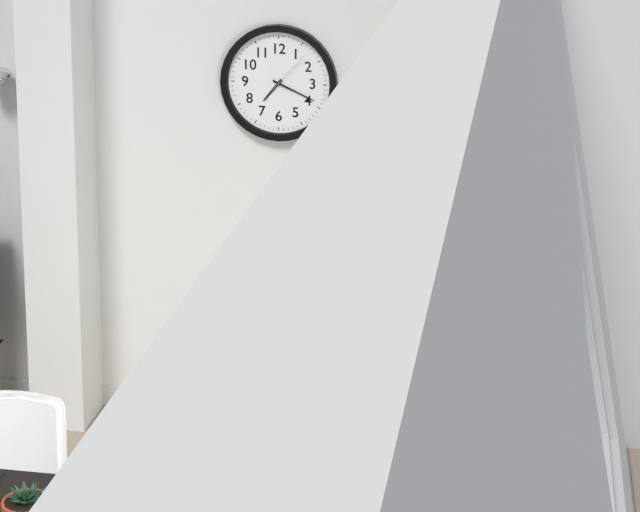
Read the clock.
7:19
